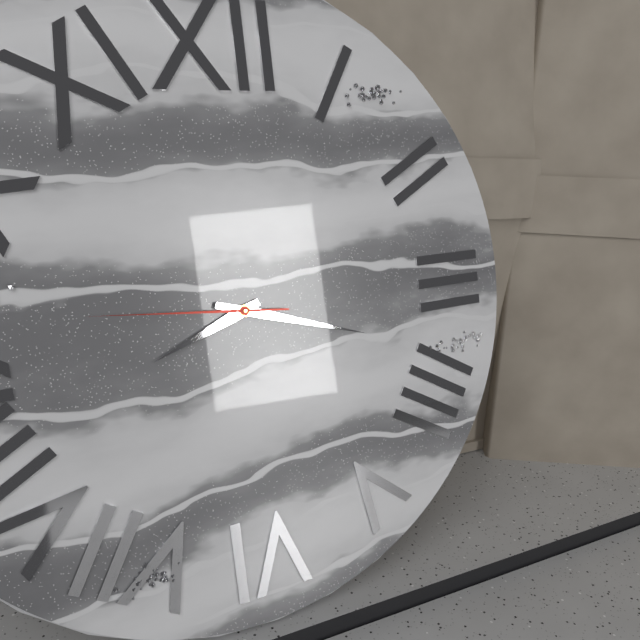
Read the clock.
8:18:46
